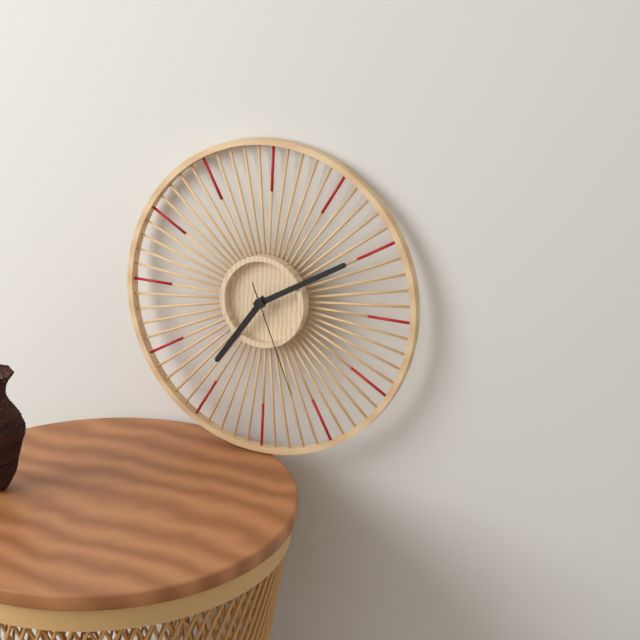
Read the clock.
7:10:26
